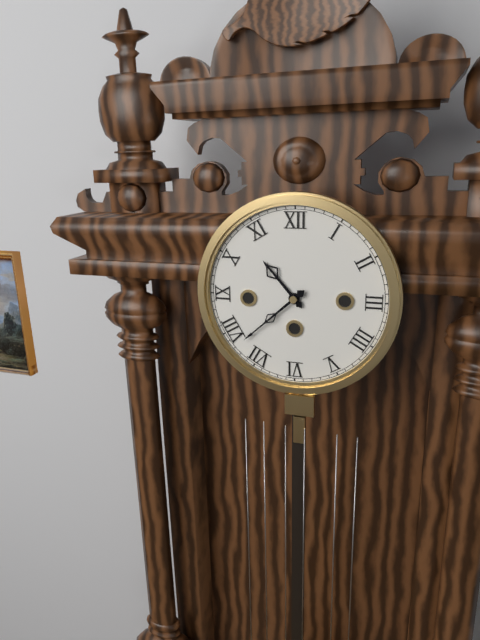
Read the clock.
10:38
